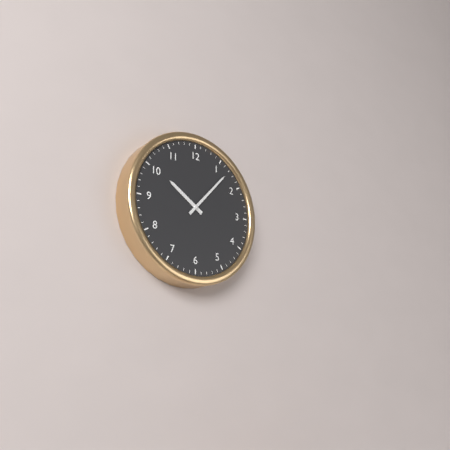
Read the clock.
10:07
